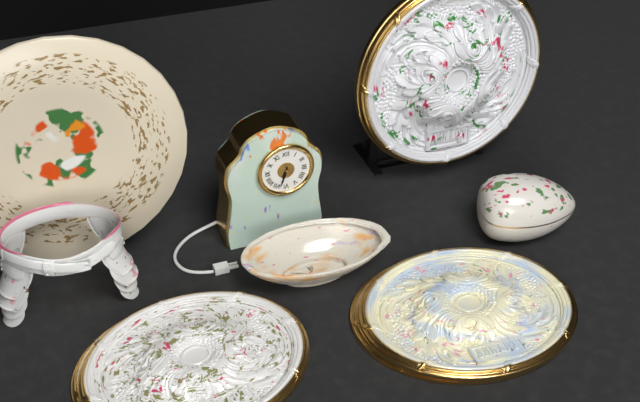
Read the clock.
6:33
